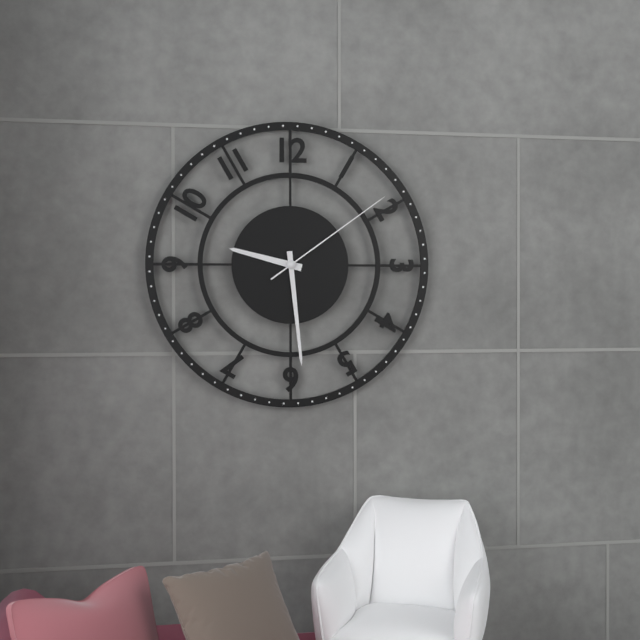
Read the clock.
9:29:09
